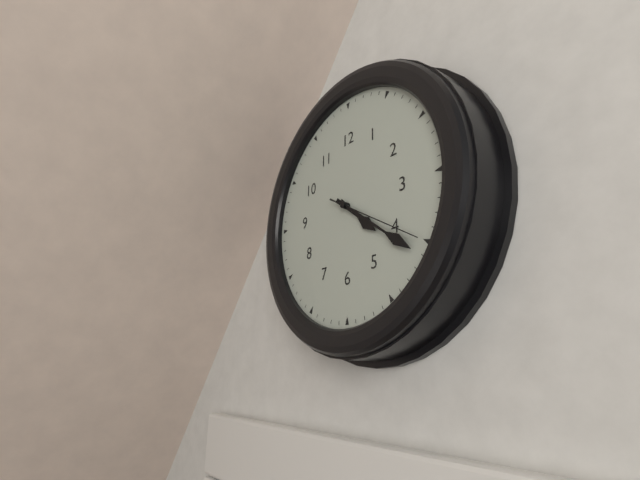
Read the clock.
4:21:20
